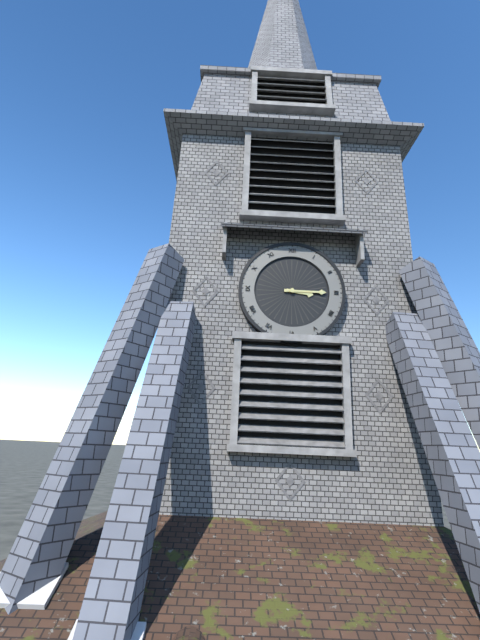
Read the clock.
3:15
